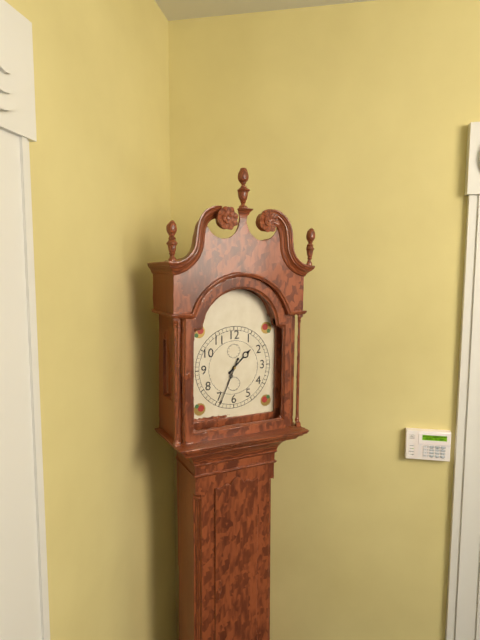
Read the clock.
1:34
